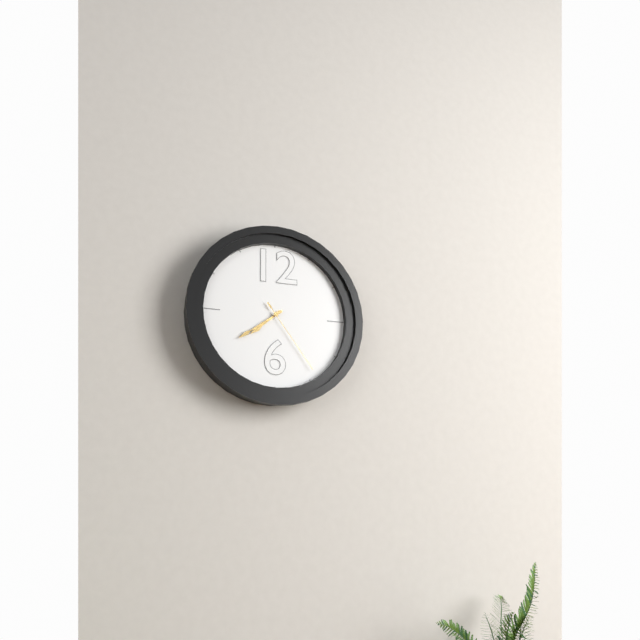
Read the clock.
7:39:24
